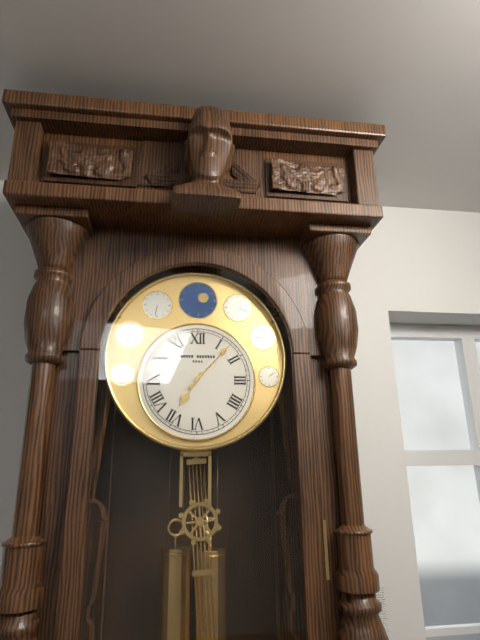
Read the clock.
7:07
